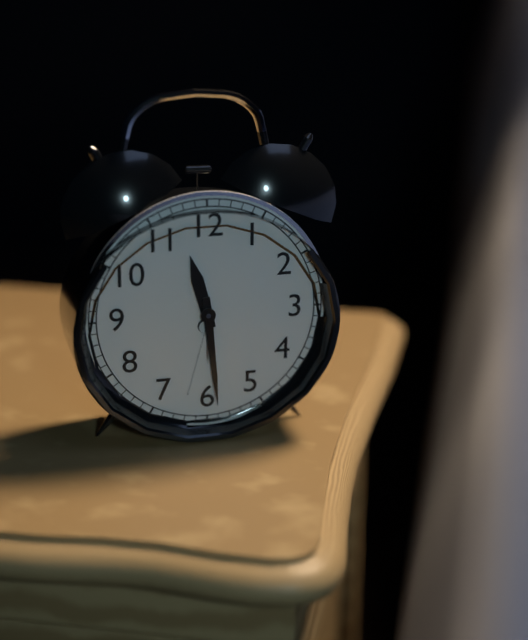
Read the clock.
11:29
